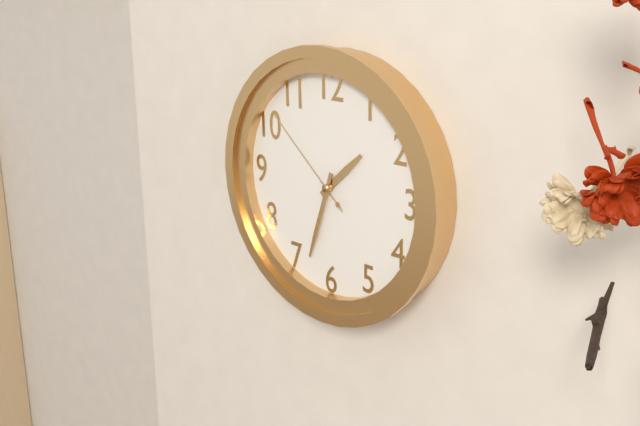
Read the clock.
1:33:52
